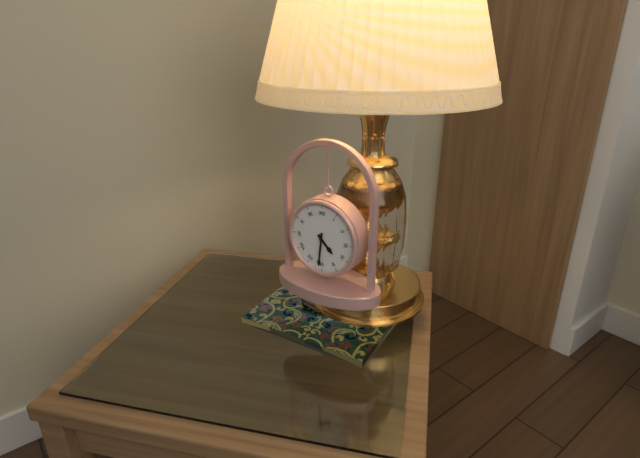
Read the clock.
4:31
